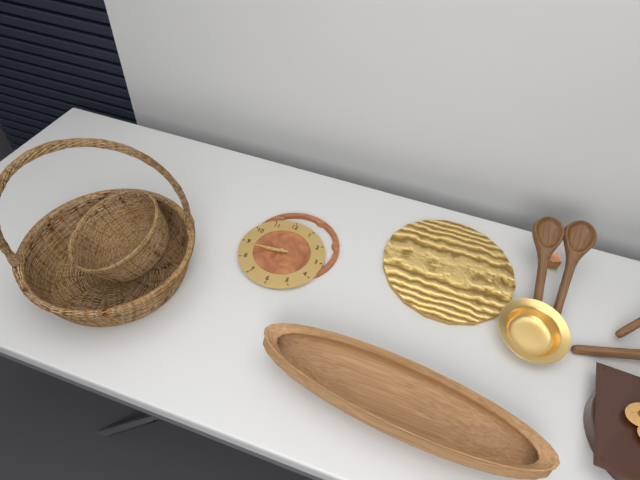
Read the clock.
8:44
